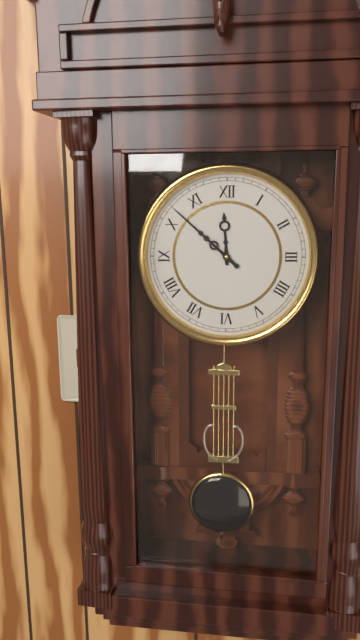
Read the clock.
11:52
